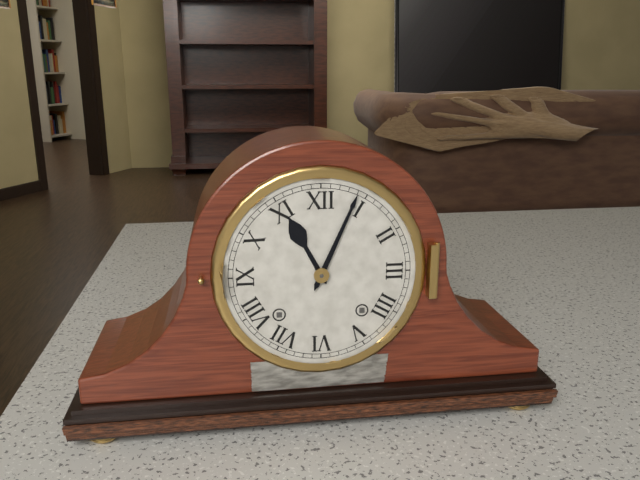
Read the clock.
11:04
